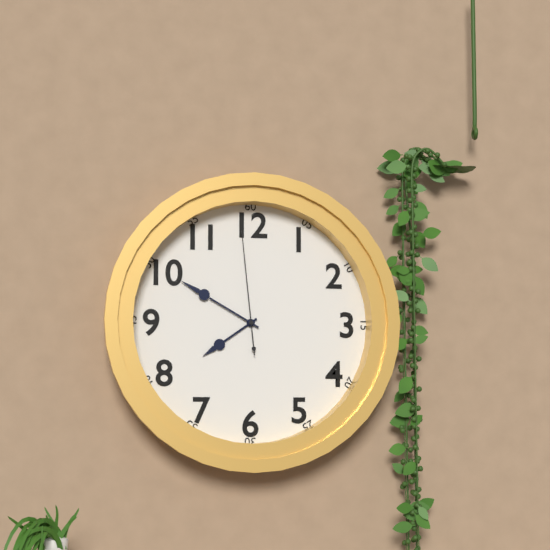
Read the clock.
7:50:59
